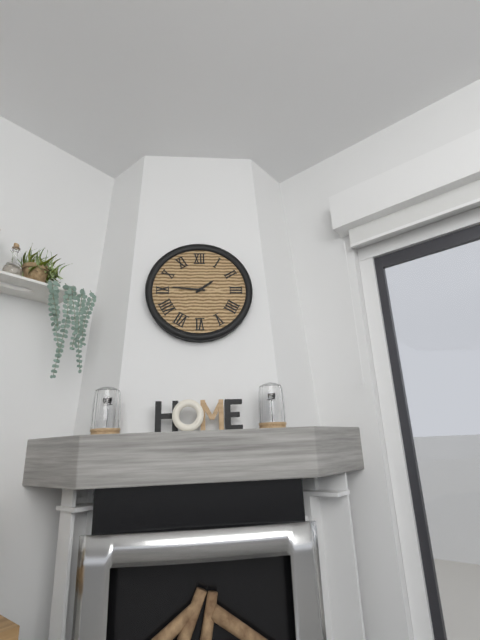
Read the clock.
1:46
